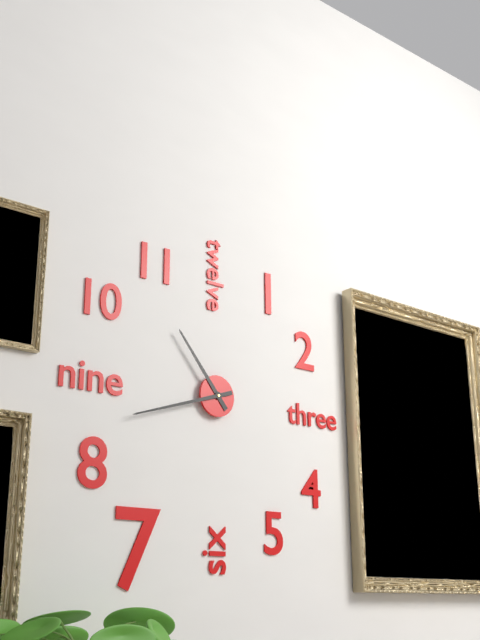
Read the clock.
10:42
